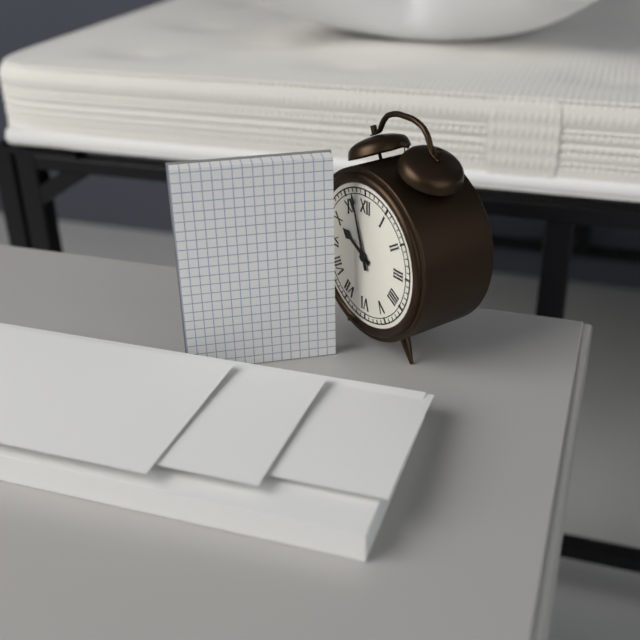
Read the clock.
9:57
